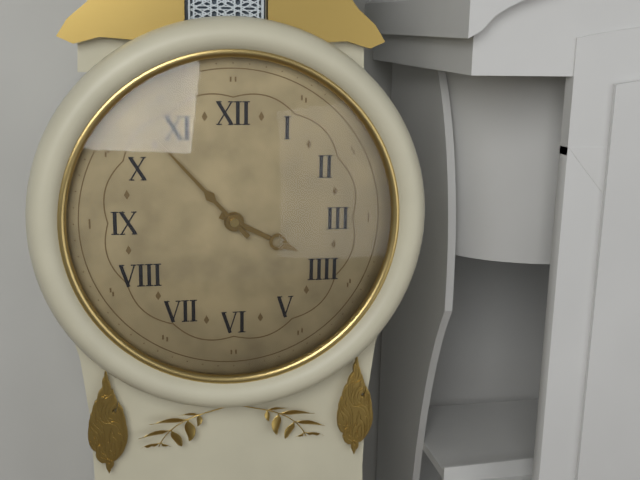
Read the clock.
3:53
